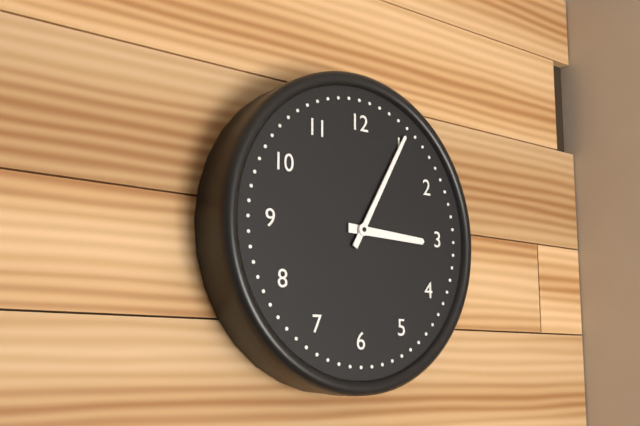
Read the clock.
3:05
